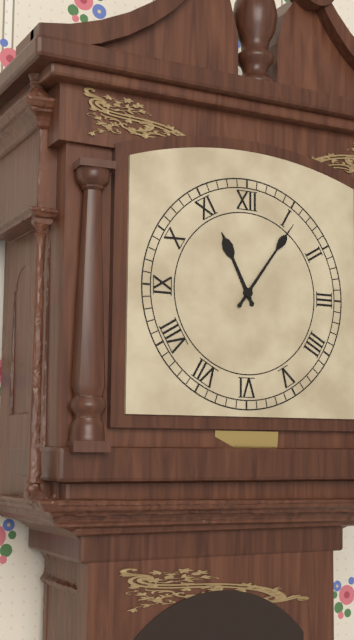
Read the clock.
11:06
